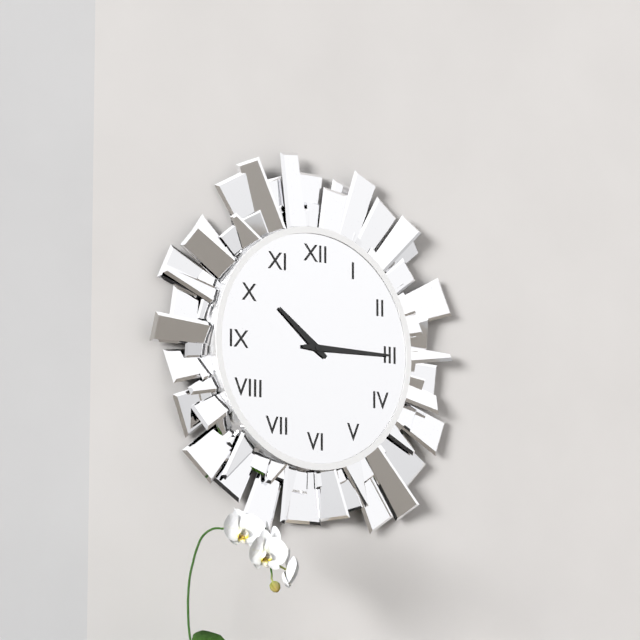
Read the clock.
10:15
